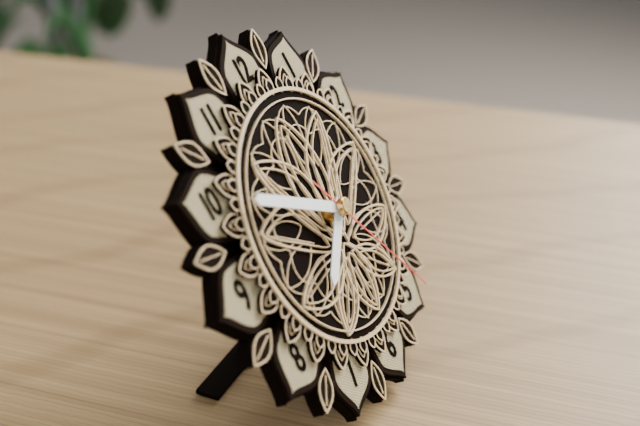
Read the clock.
7:50:25
